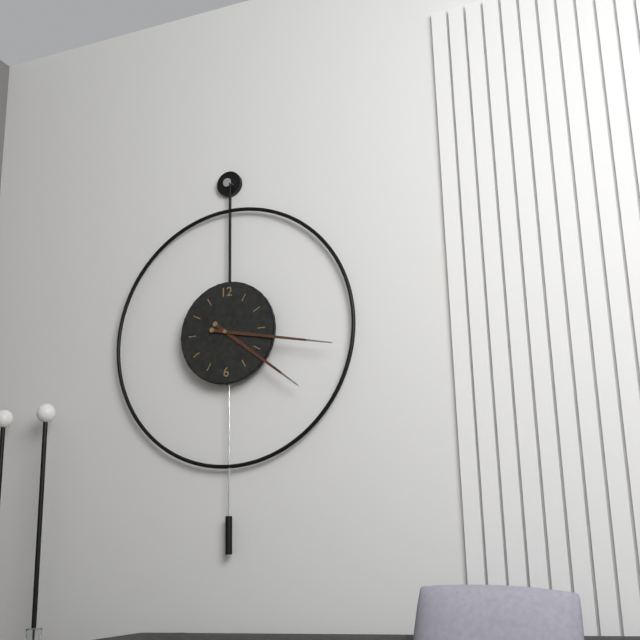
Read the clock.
4:17
